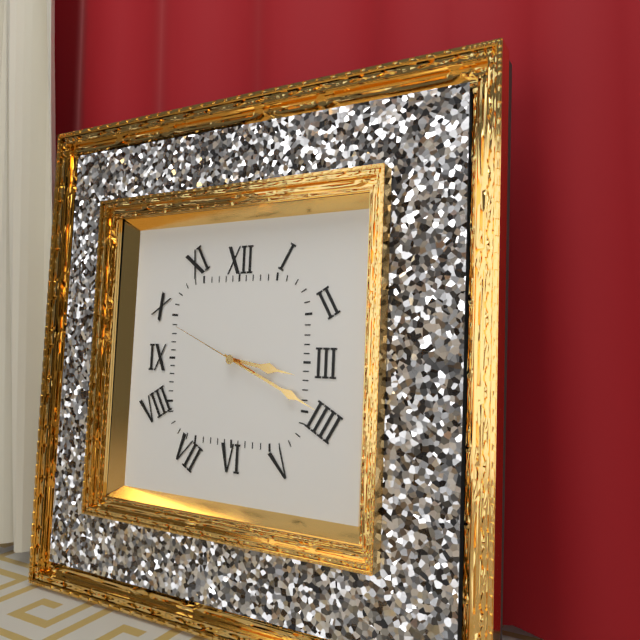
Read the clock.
3:19:49
